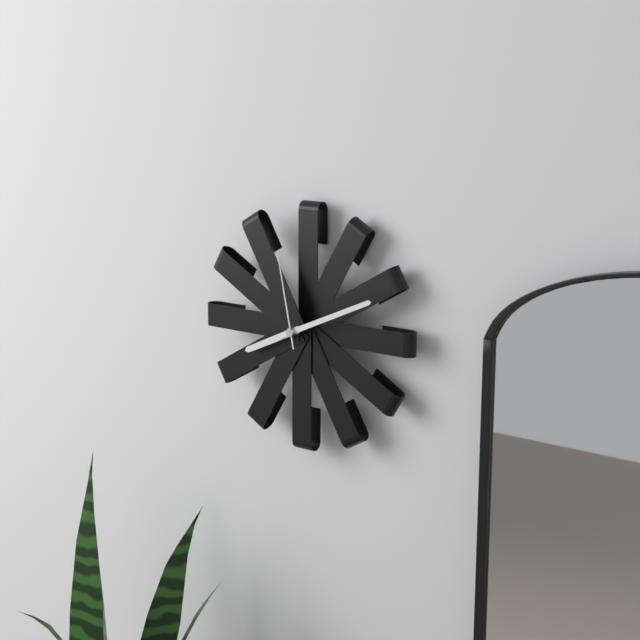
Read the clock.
8:11:58
